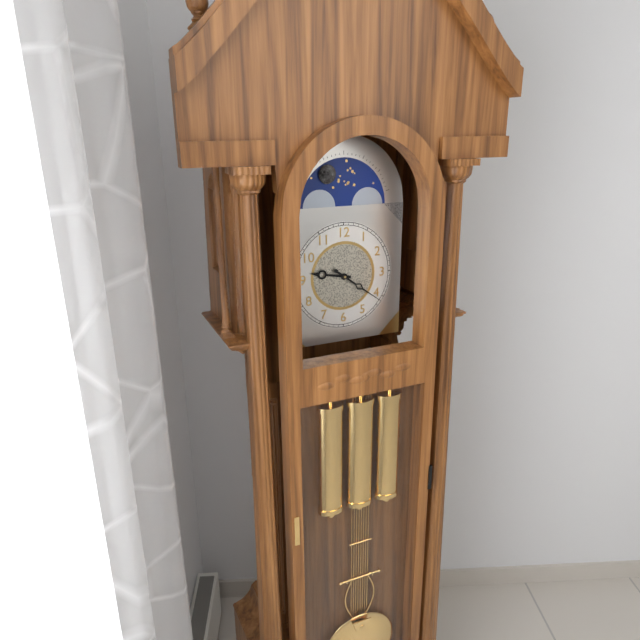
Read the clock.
9:21
